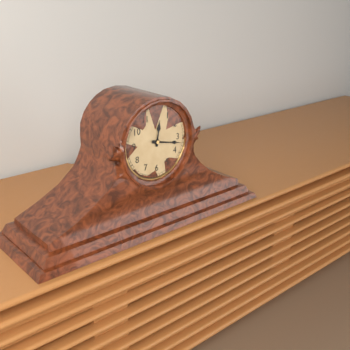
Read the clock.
12:17
